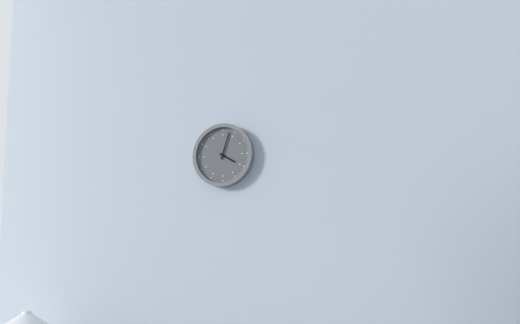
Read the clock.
4:03
